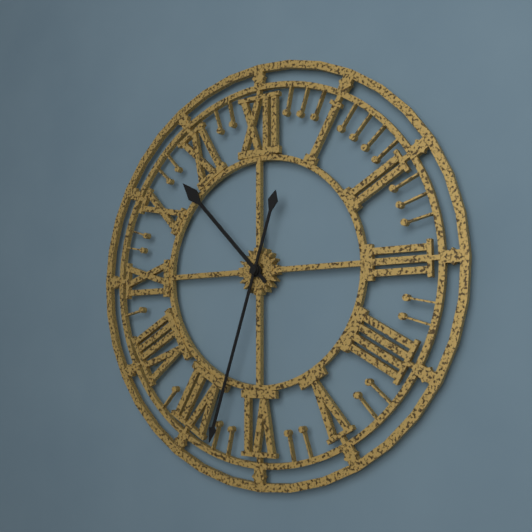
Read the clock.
10:33
